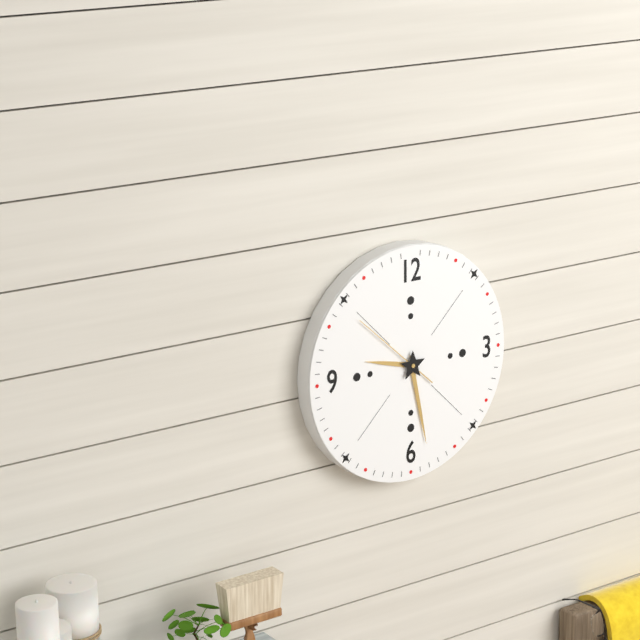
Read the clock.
9:28:52
